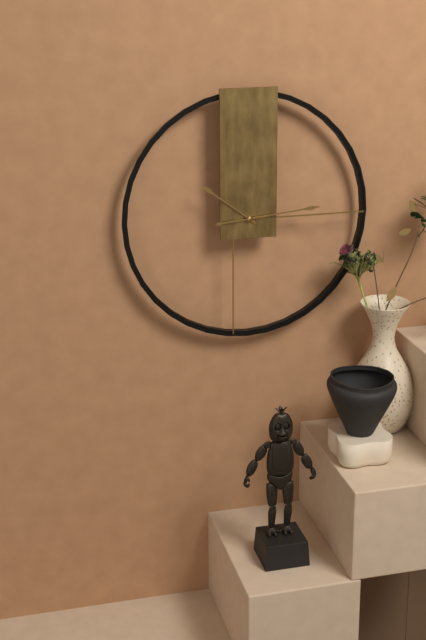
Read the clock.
10:14
